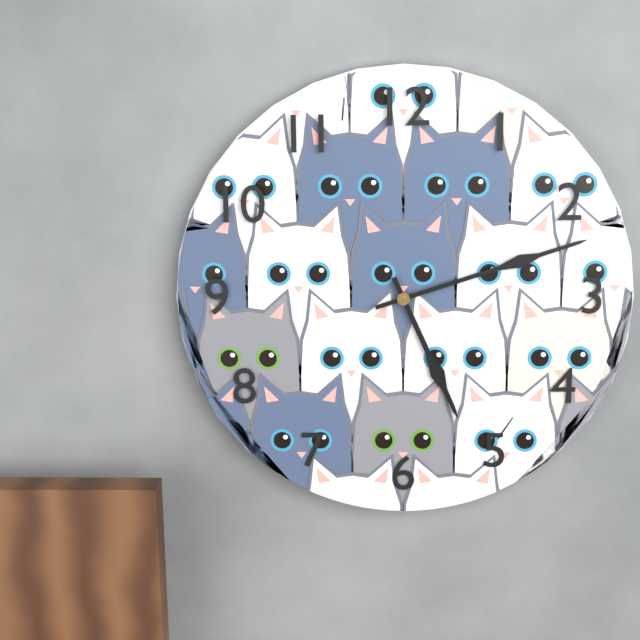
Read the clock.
5:12
